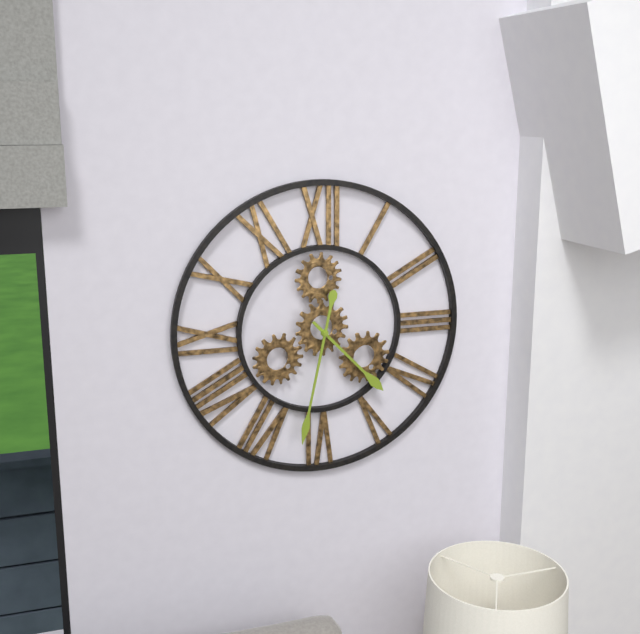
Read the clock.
4:32
